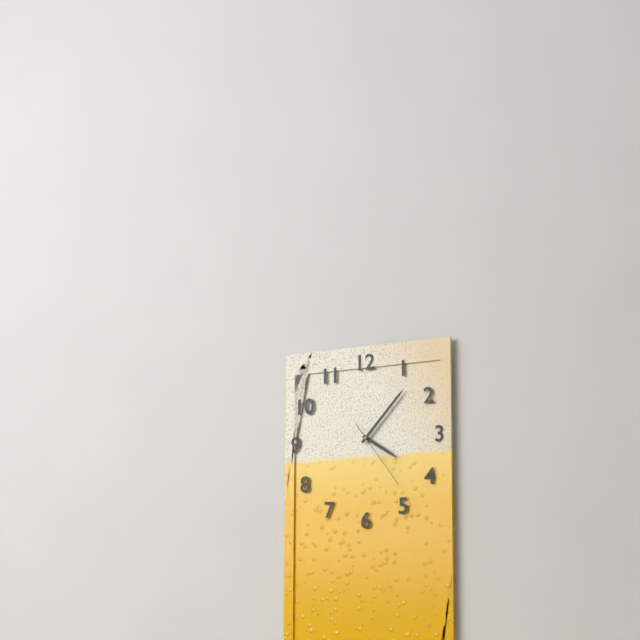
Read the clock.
4:07:24
